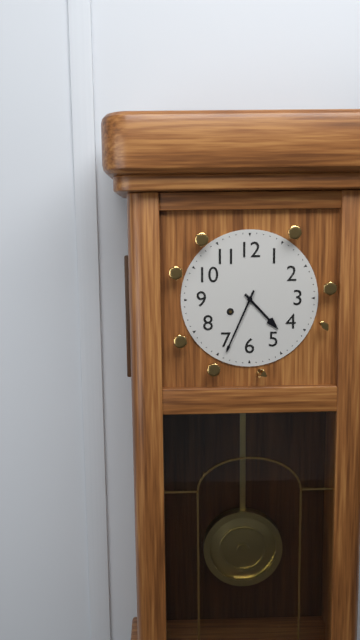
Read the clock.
4:34
